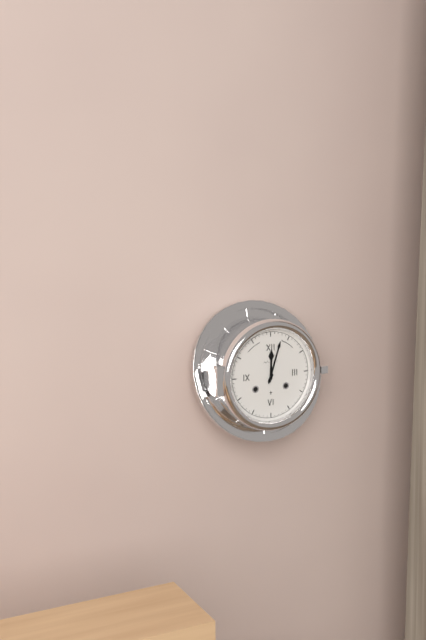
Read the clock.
12:03
